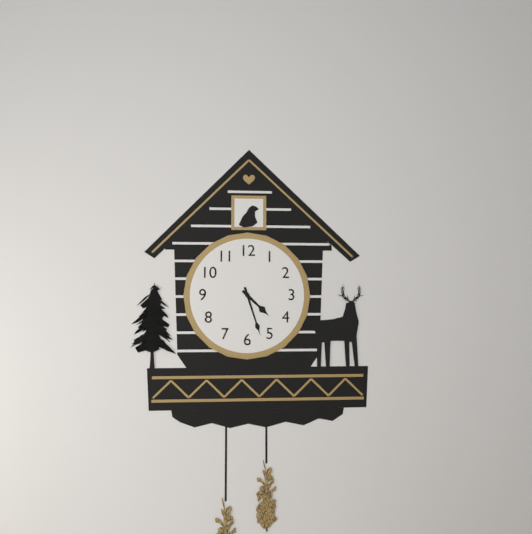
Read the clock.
4:27
